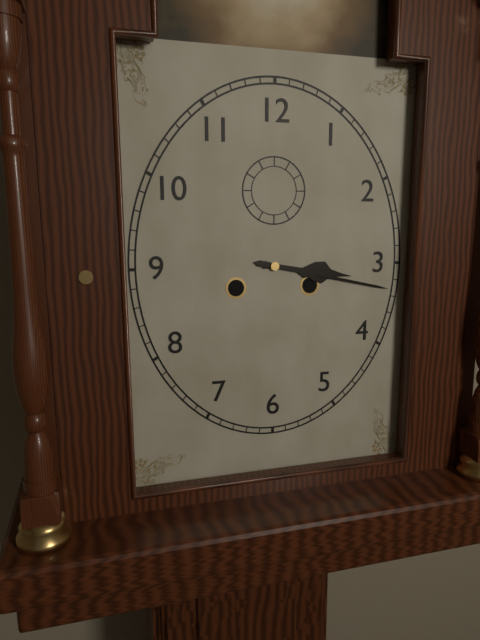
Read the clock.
3:17
